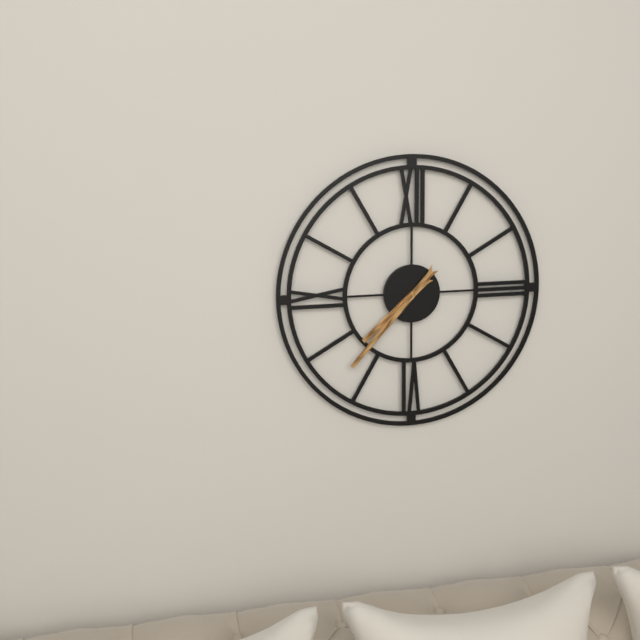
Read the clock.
7:37
